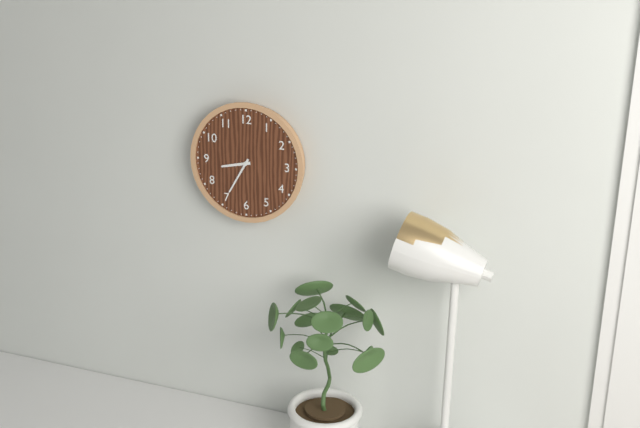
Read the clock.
8:35
